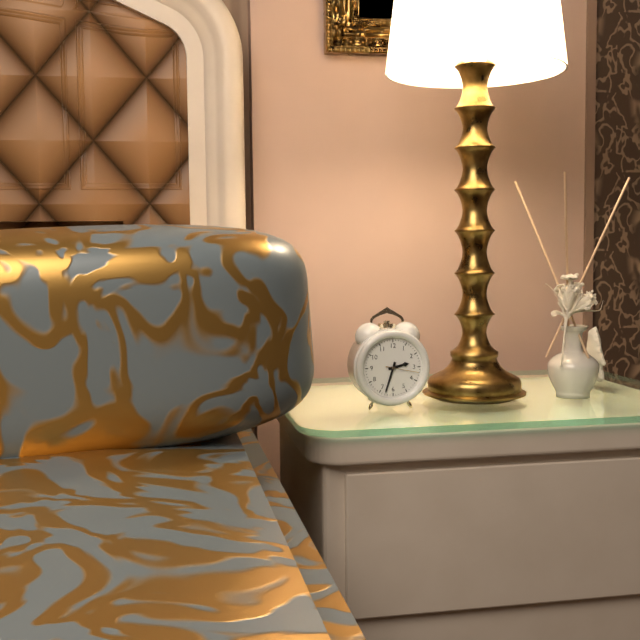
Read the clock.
2:33
